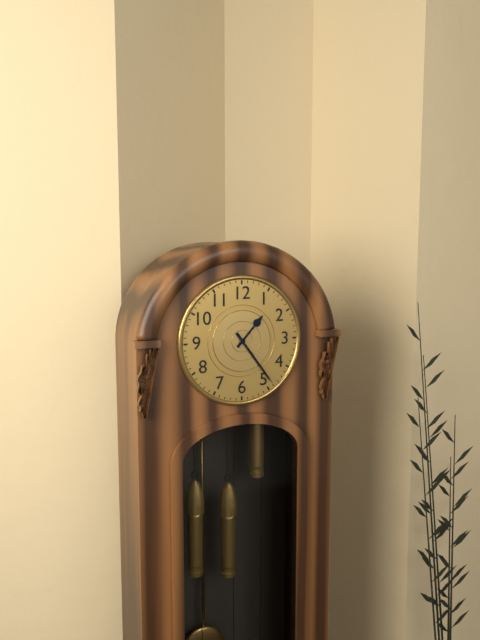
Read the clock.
1:24
